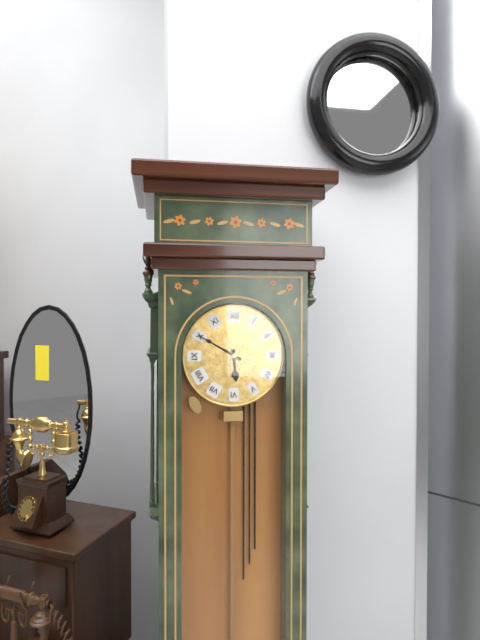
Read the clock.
5:50
